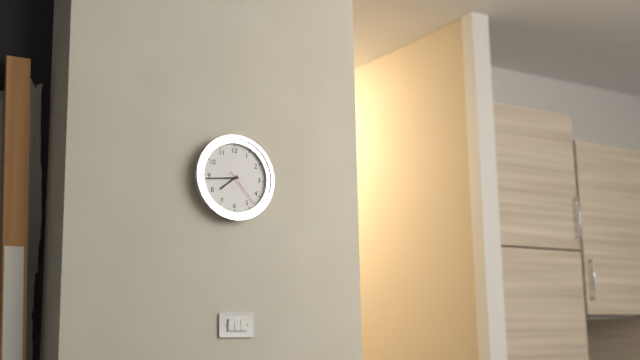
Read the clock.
7:44
